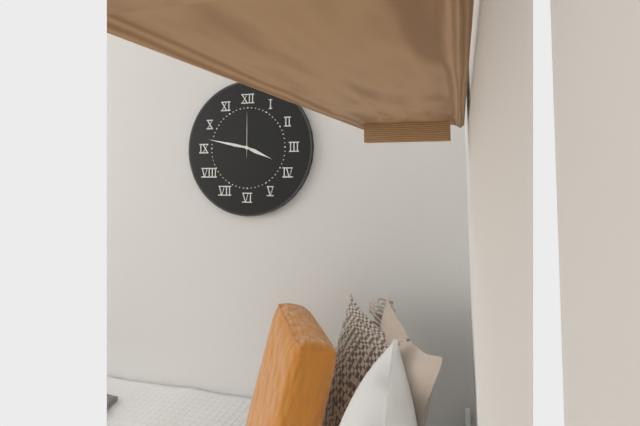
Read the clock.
3:47:00
